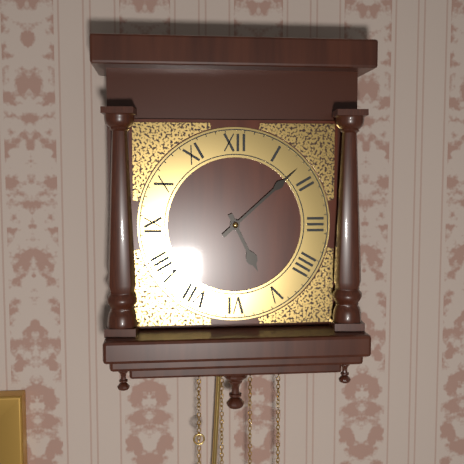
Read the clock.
5:08
